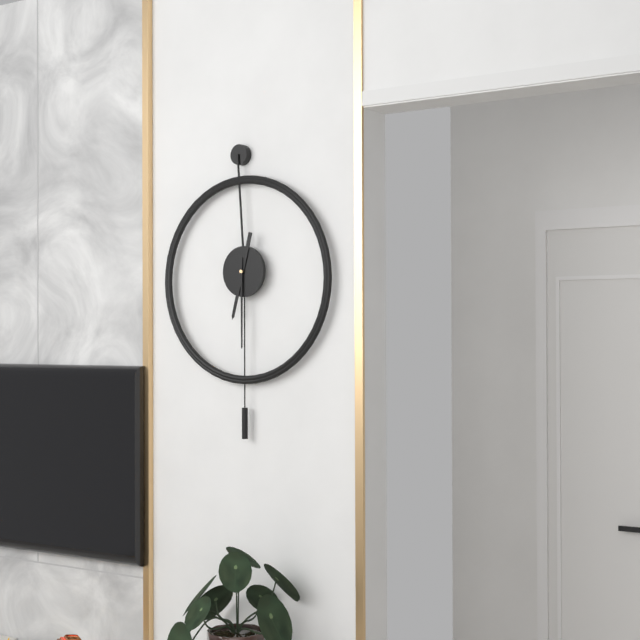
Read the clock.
6:30
